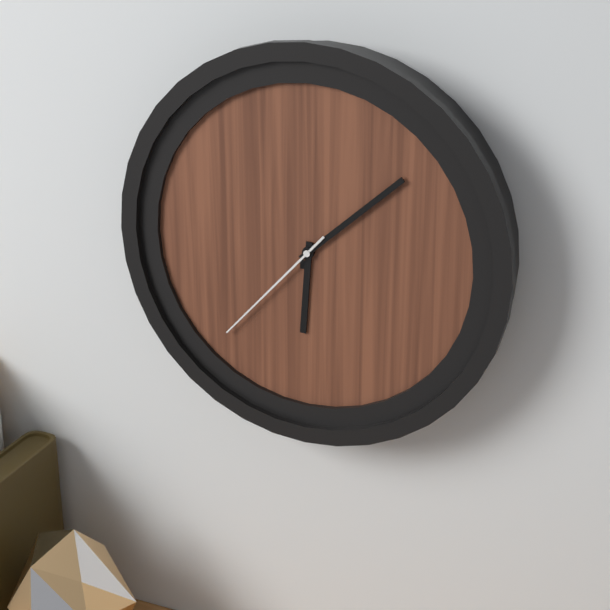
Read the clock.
6:08:37
